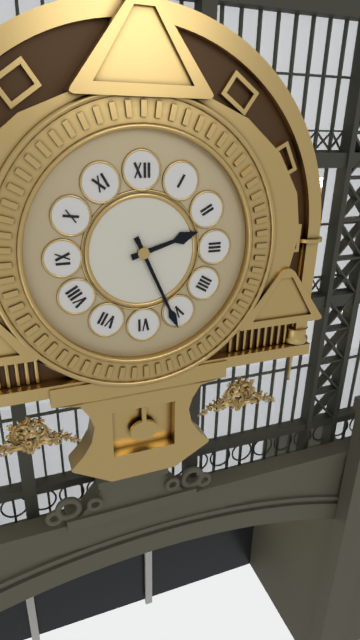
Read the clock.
2:26
